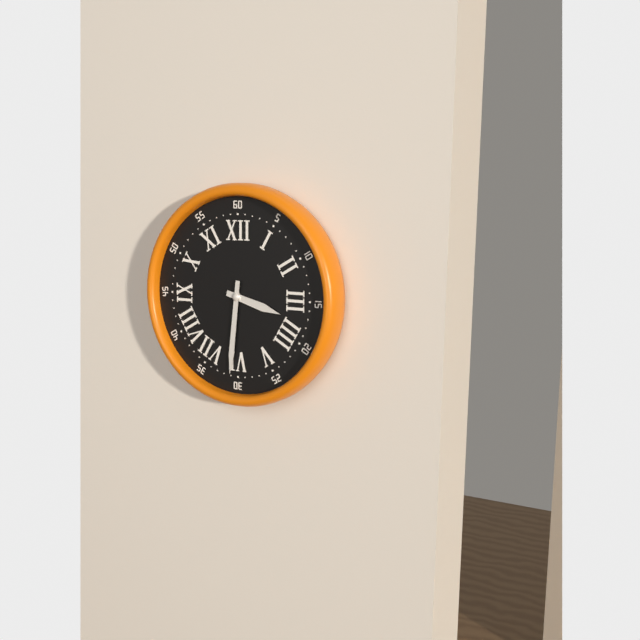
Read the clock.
3:31
